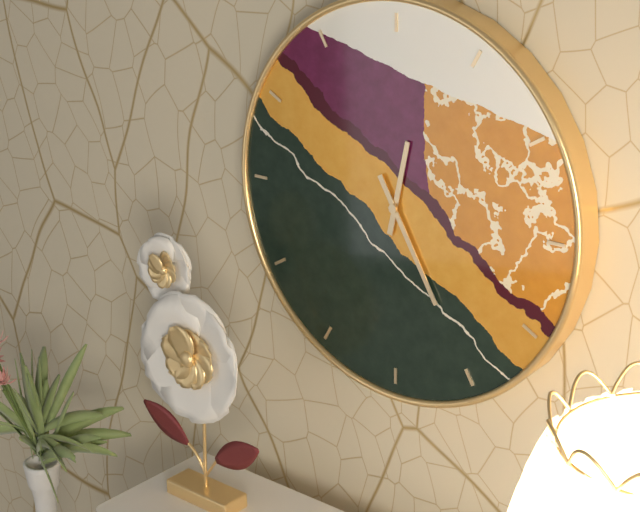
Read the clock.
12:25
